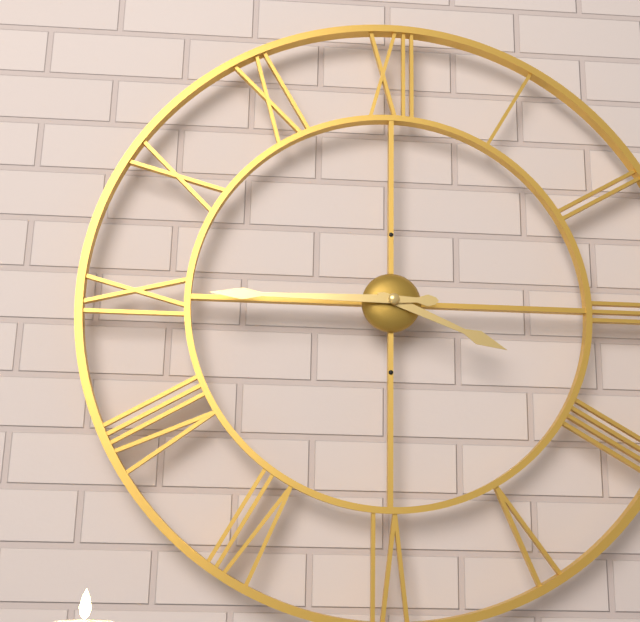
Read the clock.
3:45
